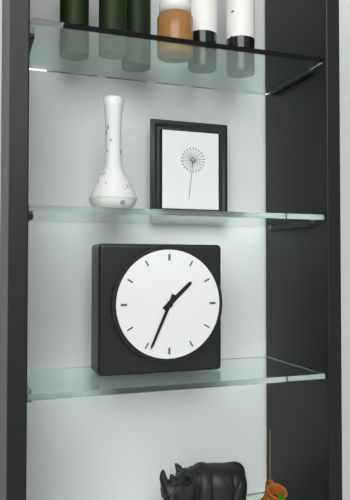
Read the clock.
1:34
